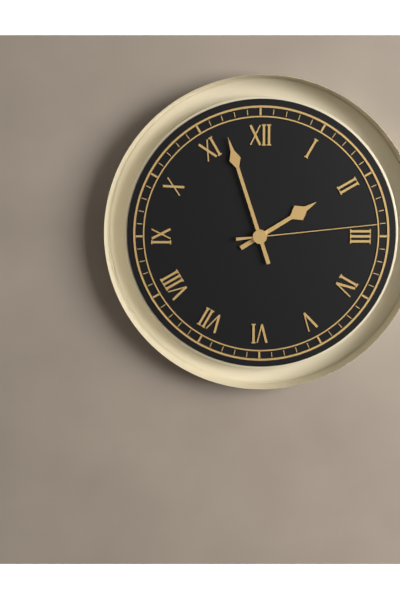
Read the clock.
1:57:14
